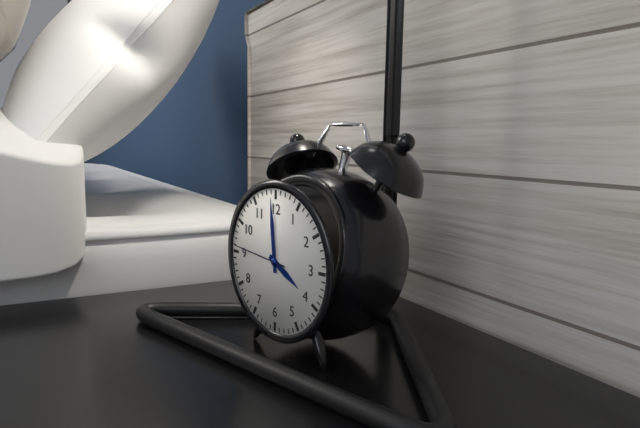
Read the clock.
3:59:46
